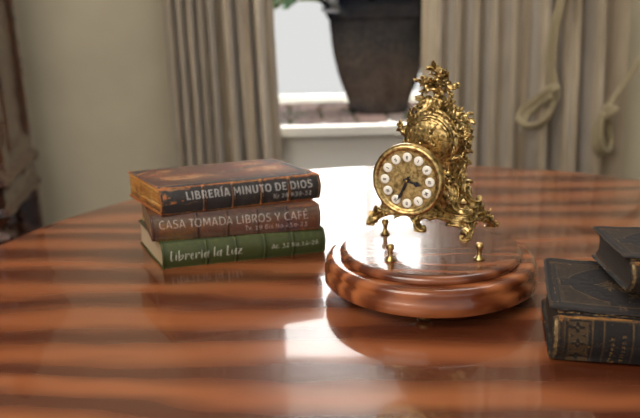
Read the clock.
3:34
